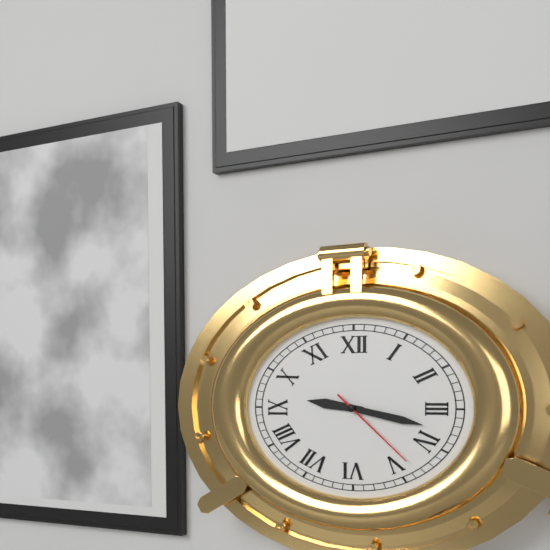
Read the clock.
9:17:22
